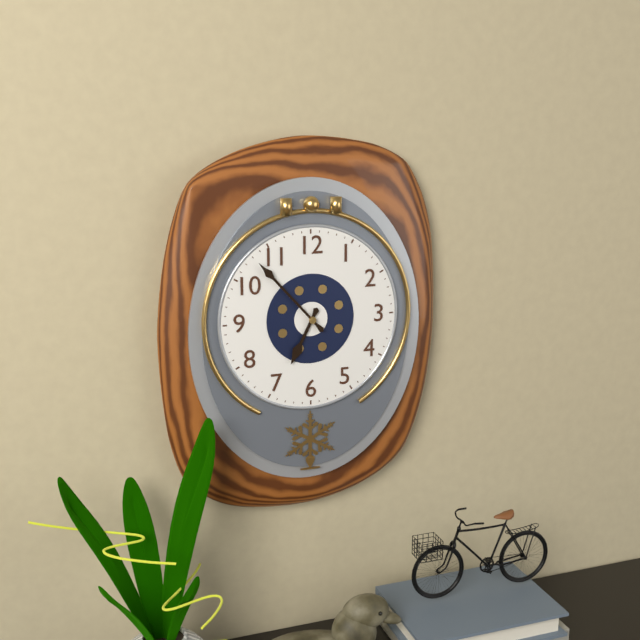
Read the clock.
6:53
